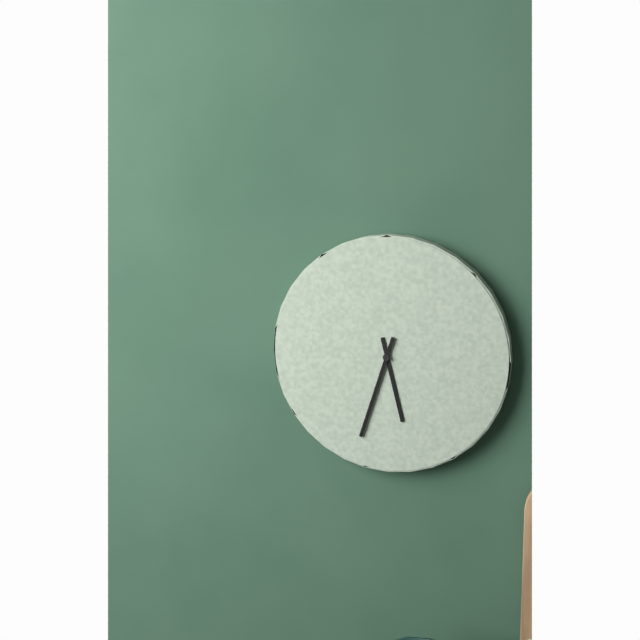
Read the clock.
5:33
